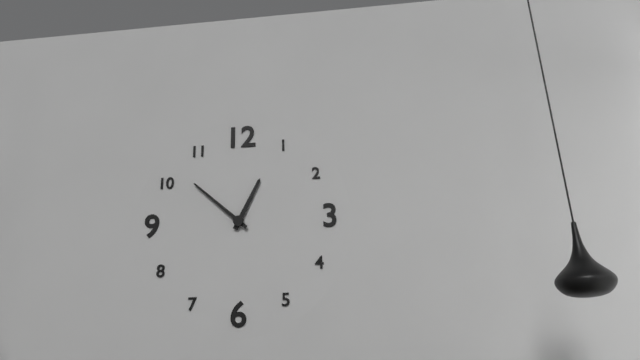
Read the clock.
12:52
